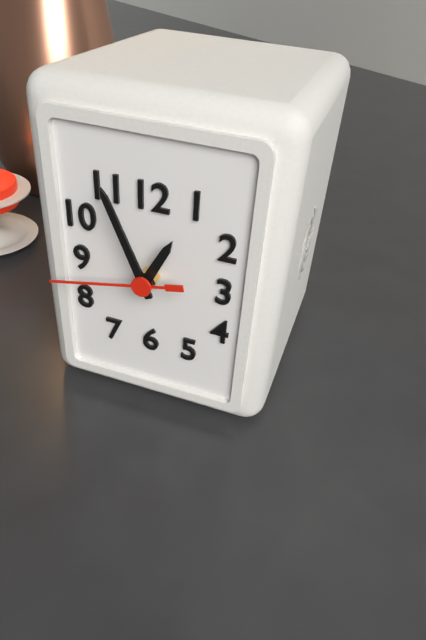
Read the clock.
12:56:43
